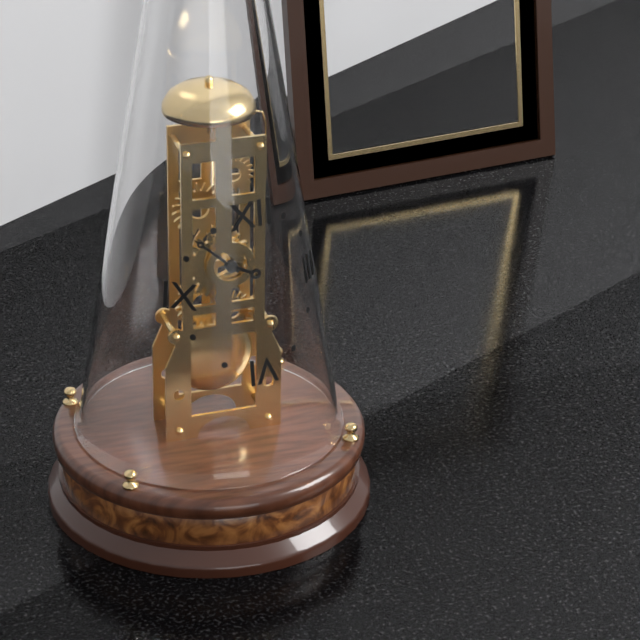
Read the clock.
3:52
